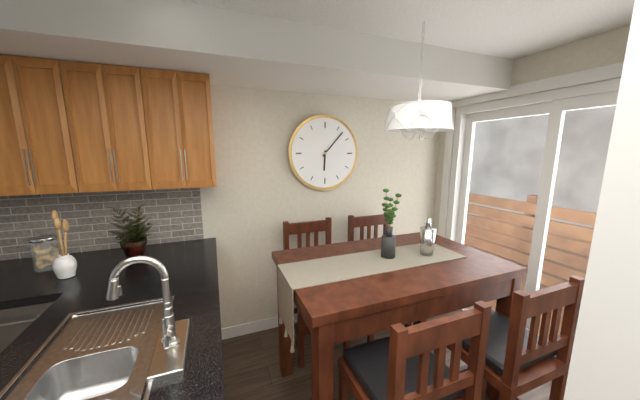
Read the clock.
6:07
